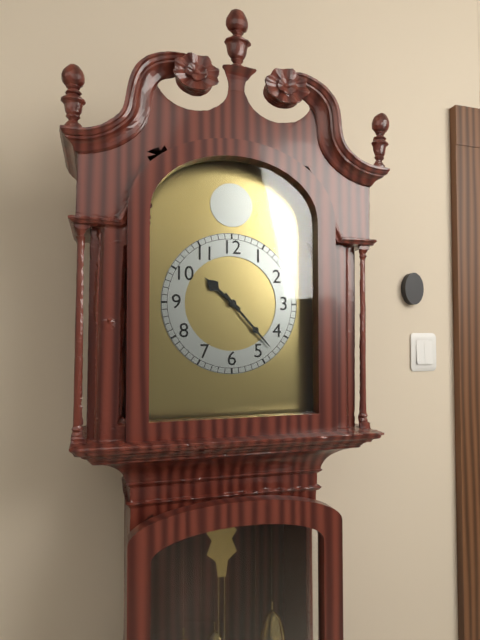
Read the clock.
10:23
